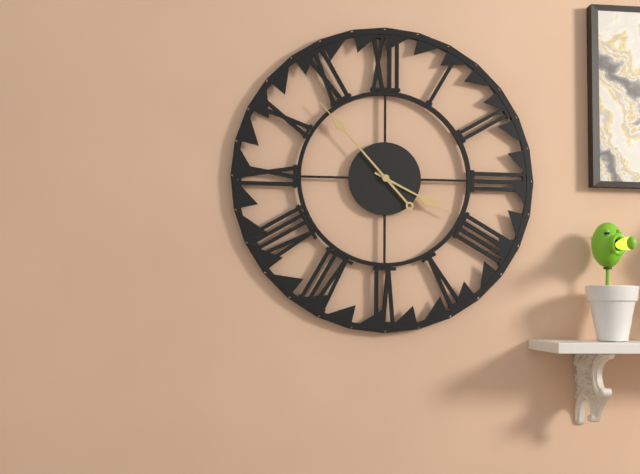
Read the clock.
3:53
